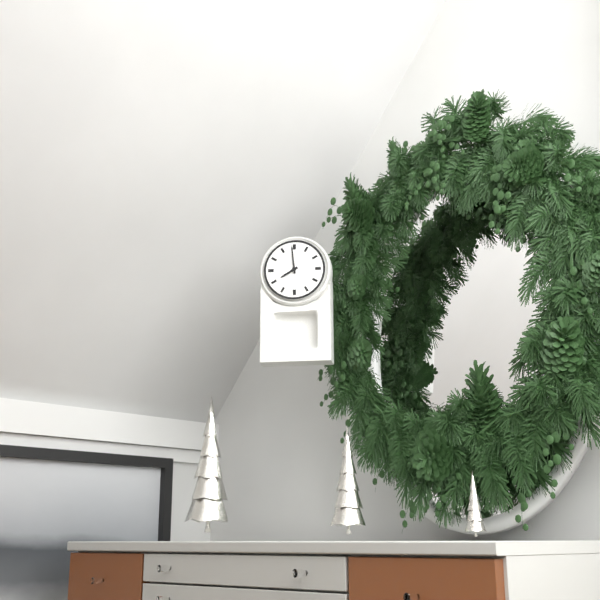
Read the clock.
7:59
